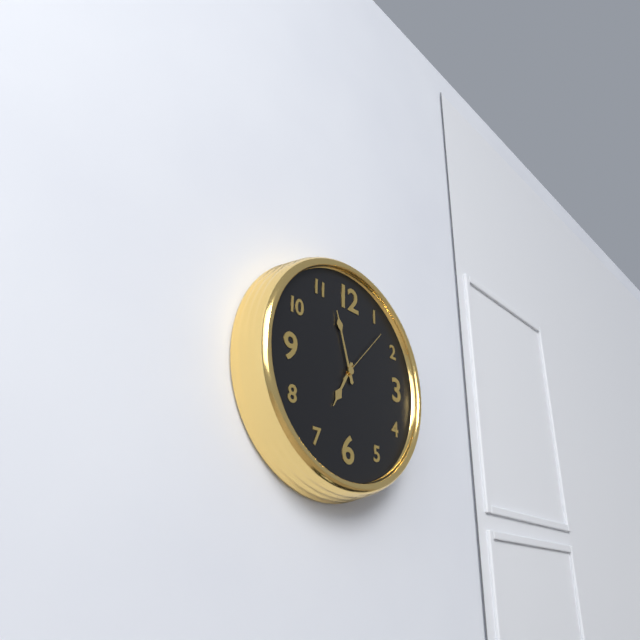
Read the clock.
6:57:07
